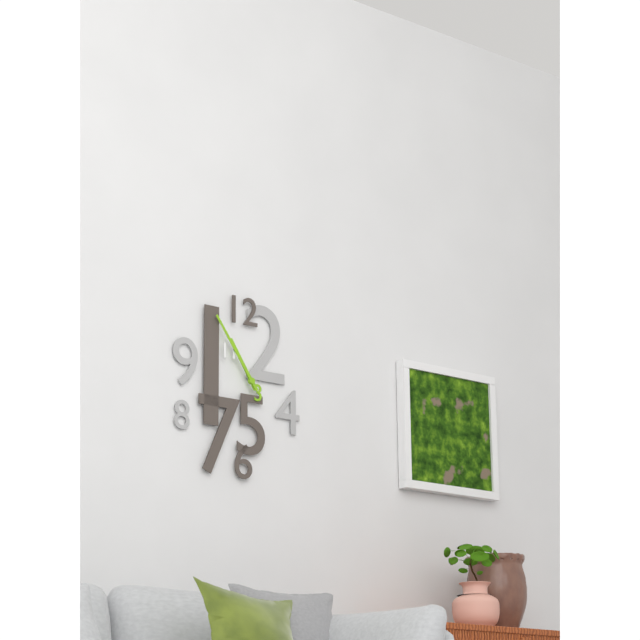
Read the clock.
10:54
